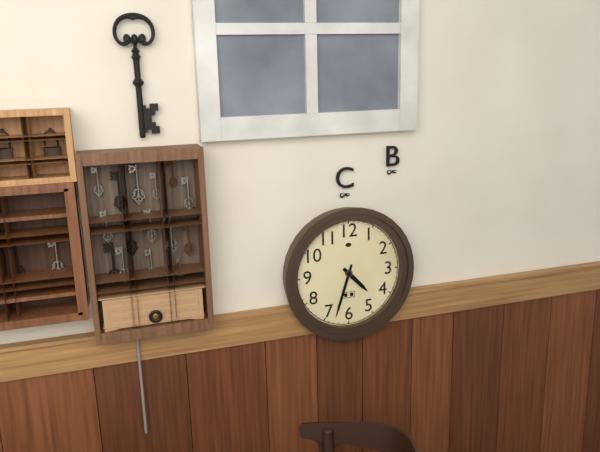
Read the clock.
4:33
